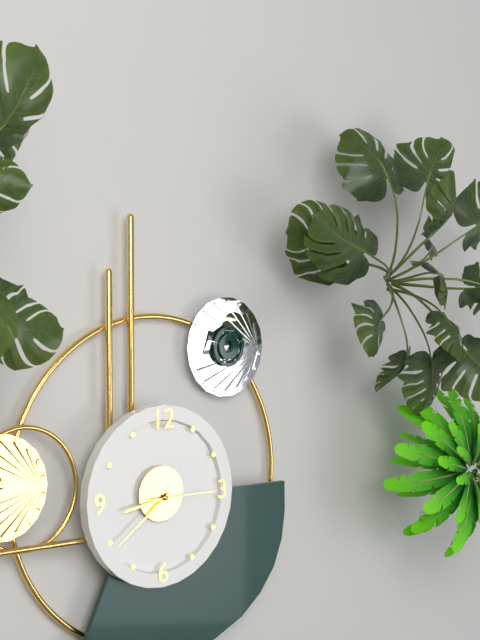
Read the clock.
8:39:15
